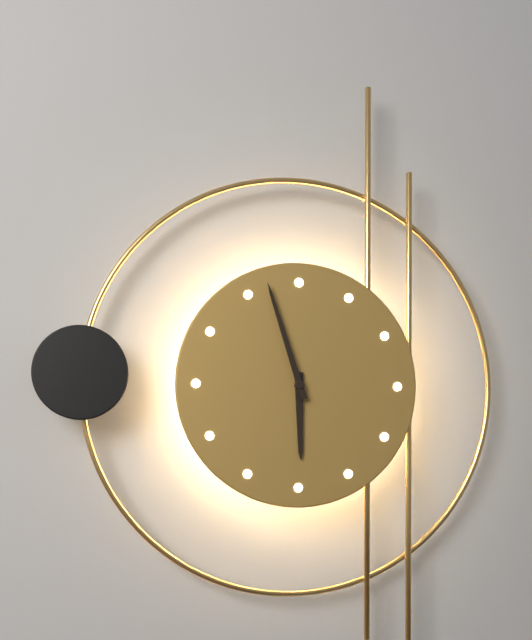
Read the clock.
5:57
